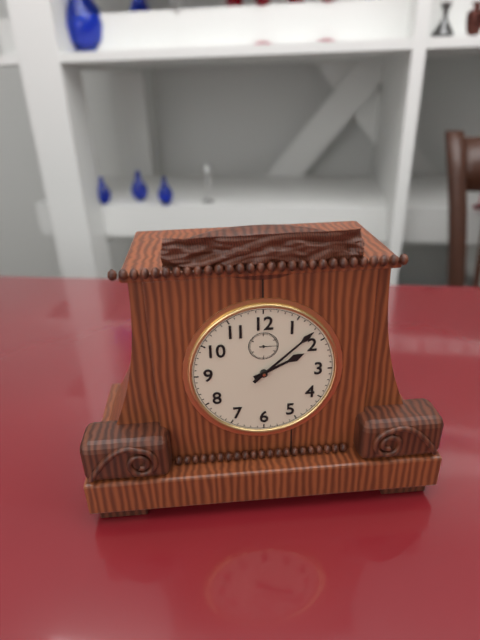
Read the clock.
2:08
